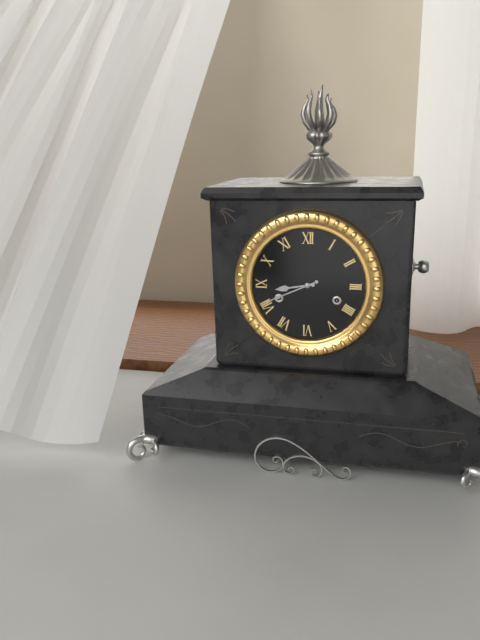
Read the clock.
8:41
